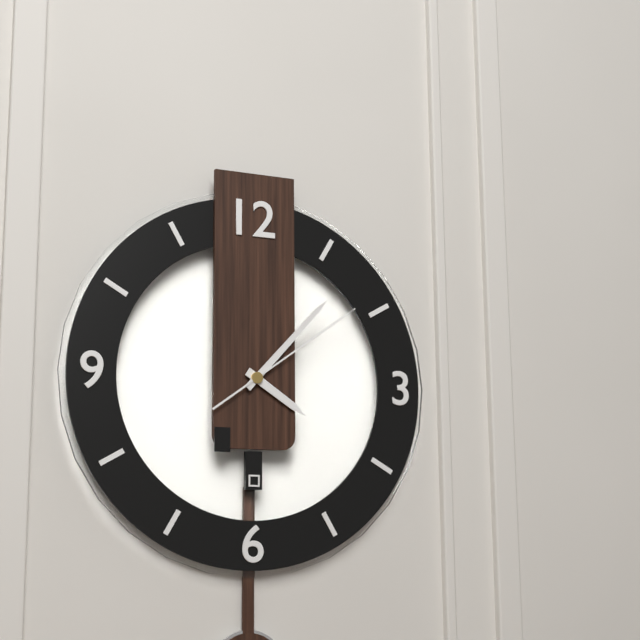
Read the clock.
4:07:09
